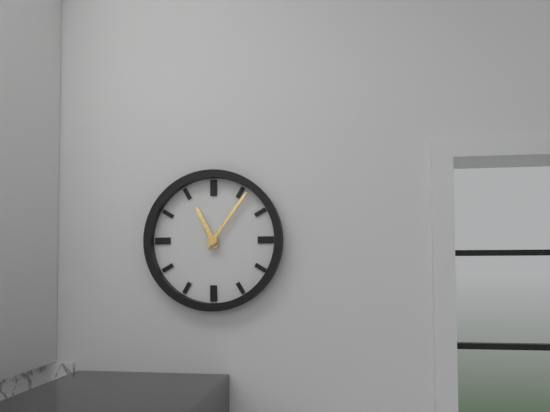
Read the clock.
11:06
